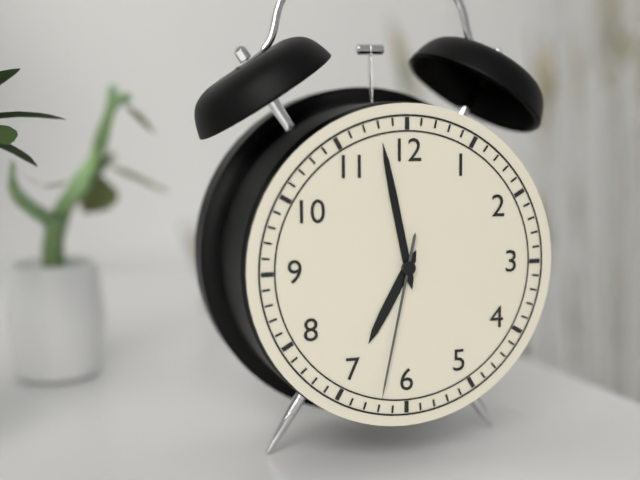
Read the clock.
6:58:32
